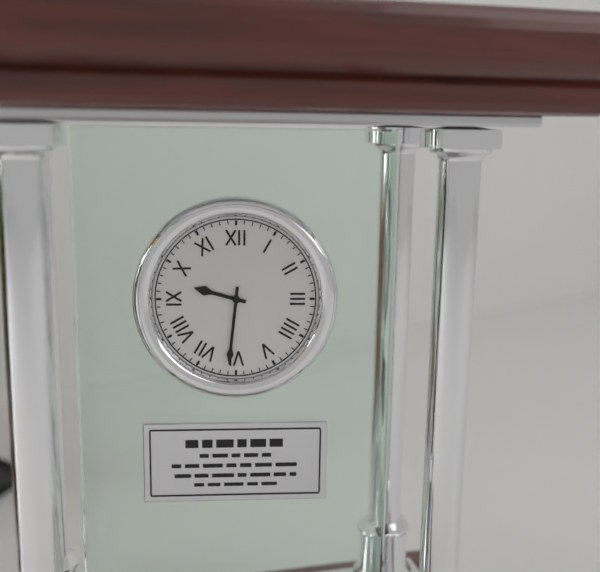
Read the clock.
9:31
